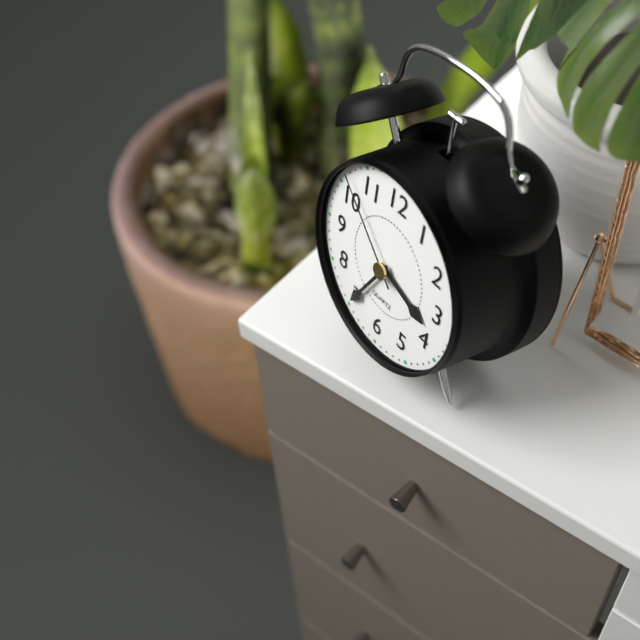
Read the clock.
3:35:52
